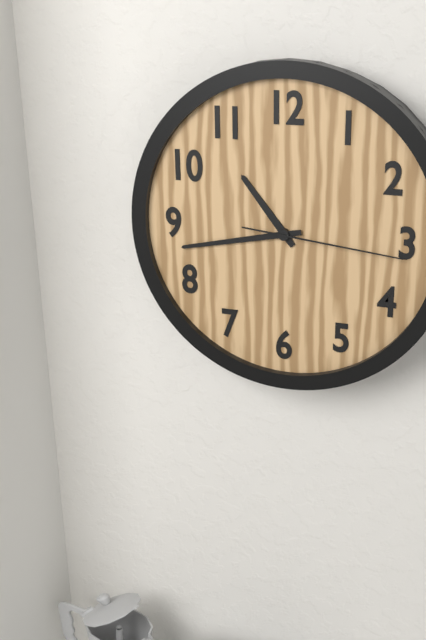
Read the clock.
10:43:16
